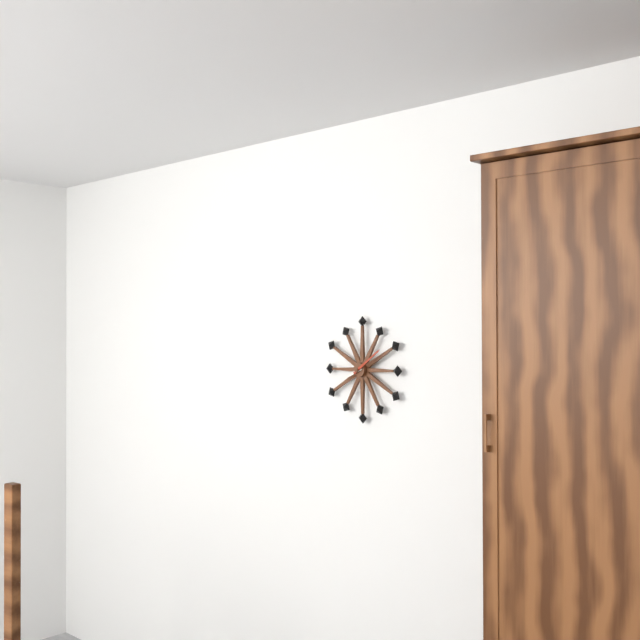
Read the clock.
8:09
